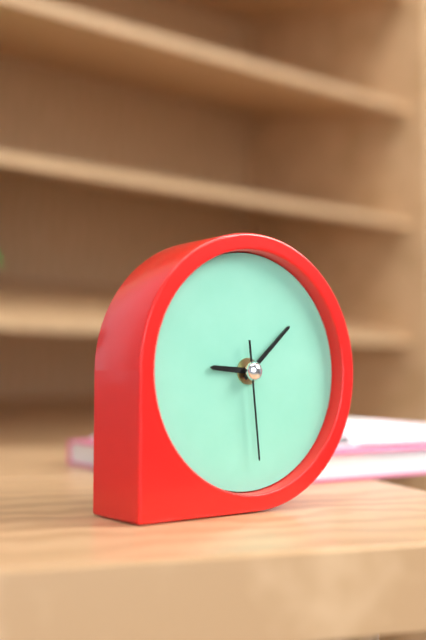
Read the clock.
9:08:29
